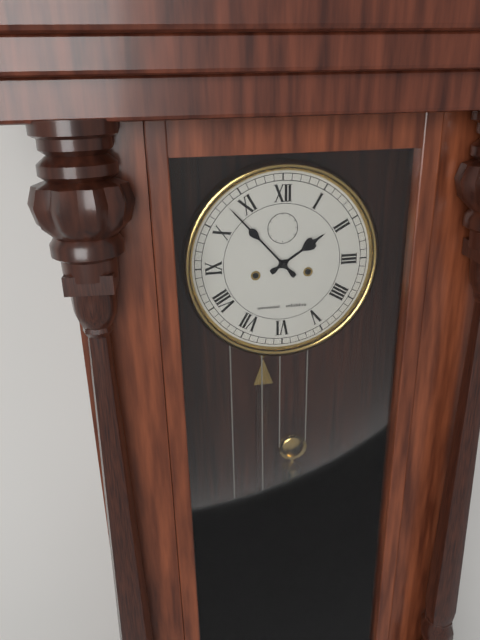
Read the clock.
1:53
